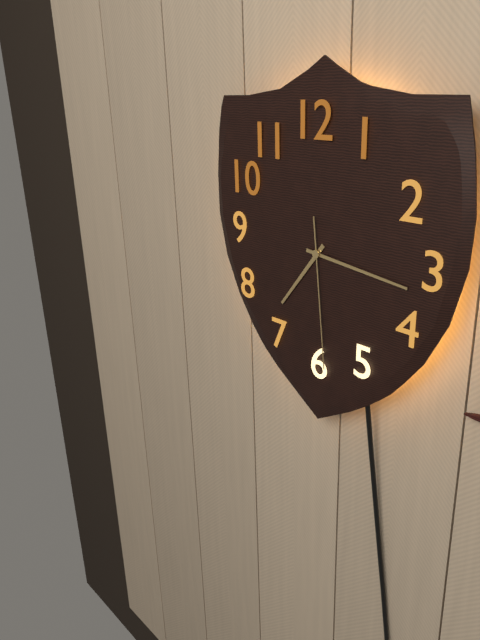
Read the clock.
7:16:29
